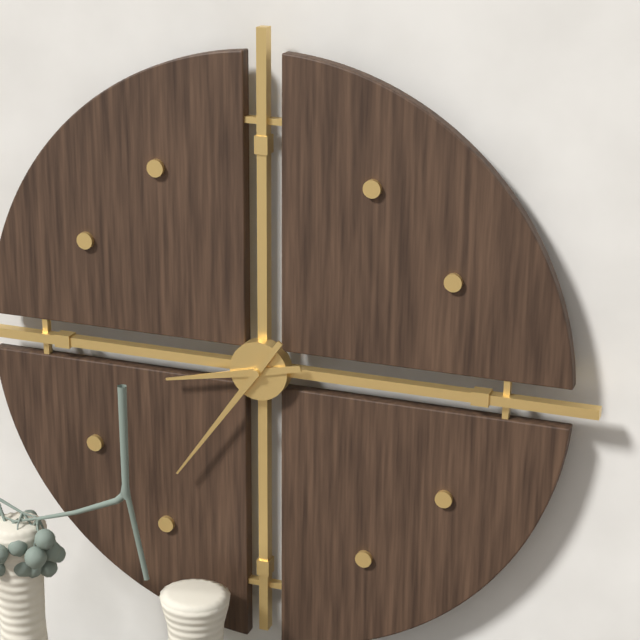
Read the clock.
8:36
